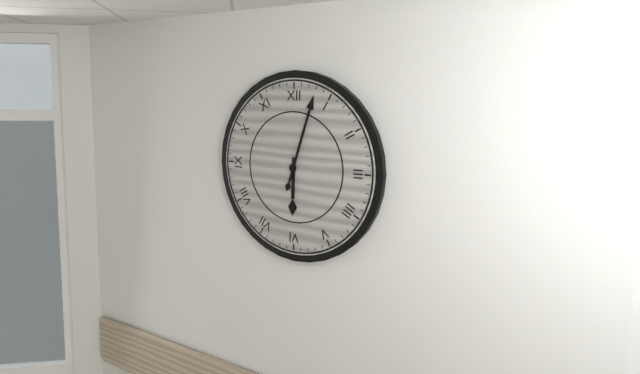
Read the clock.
6:03
